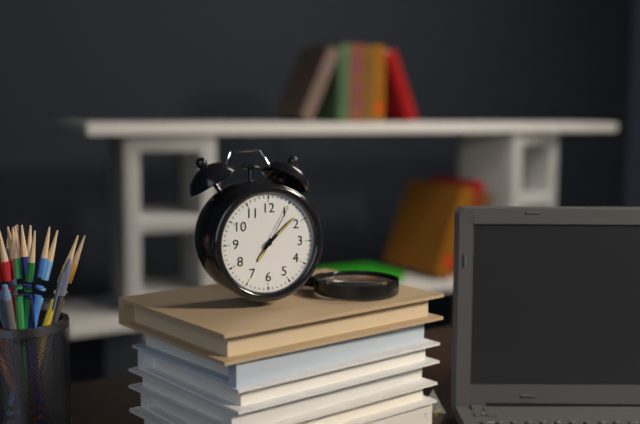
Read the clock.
7:08:05
